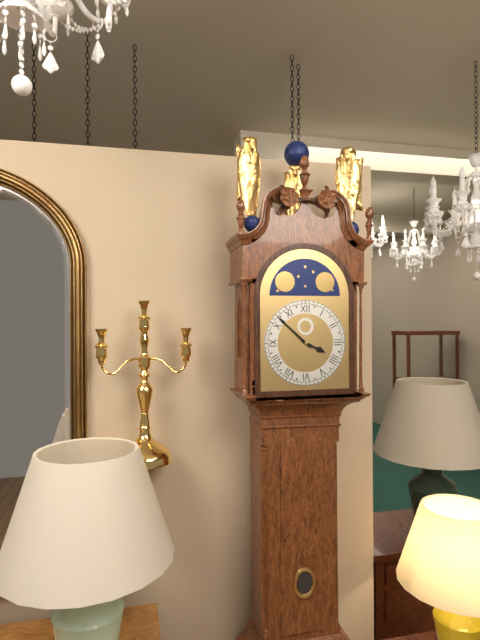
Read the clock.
3:52
